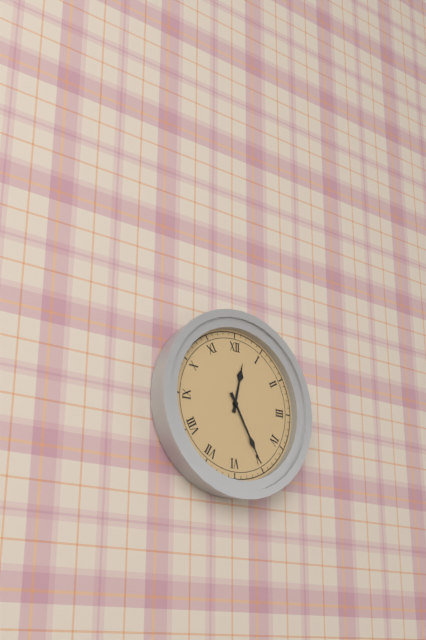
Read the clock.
12:25
